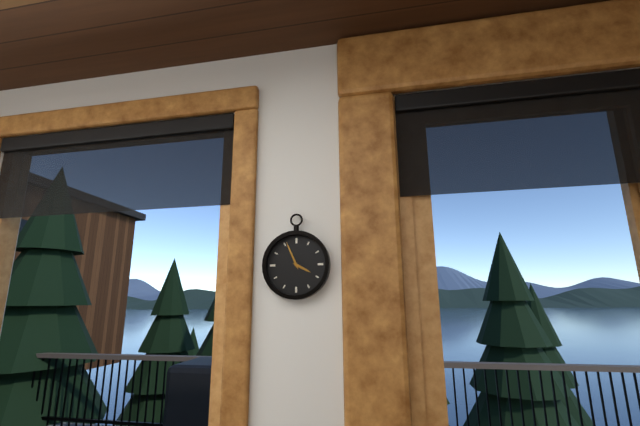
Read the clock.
3:56
